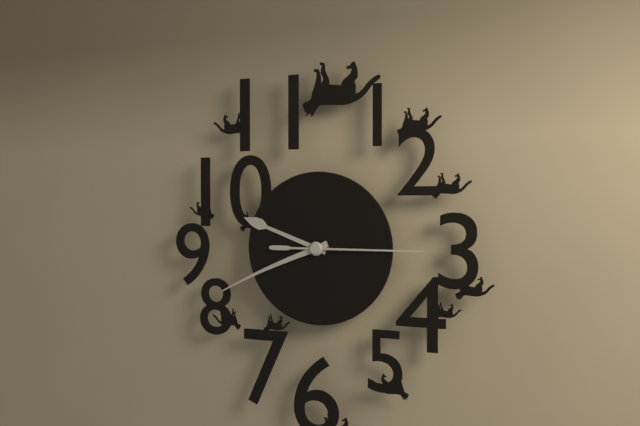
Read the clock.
9:41:15
